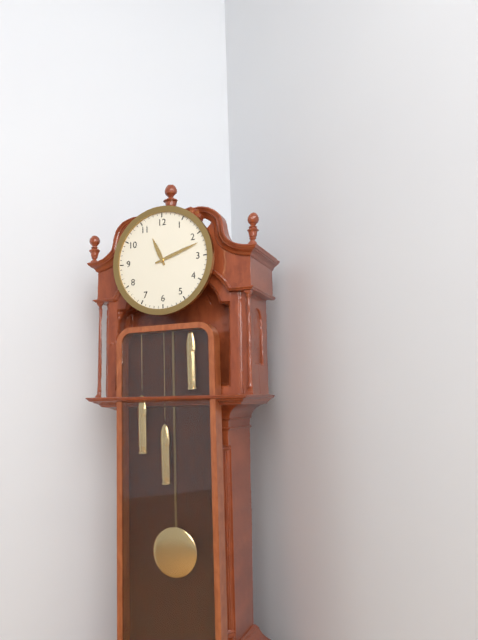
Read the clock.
11:12
